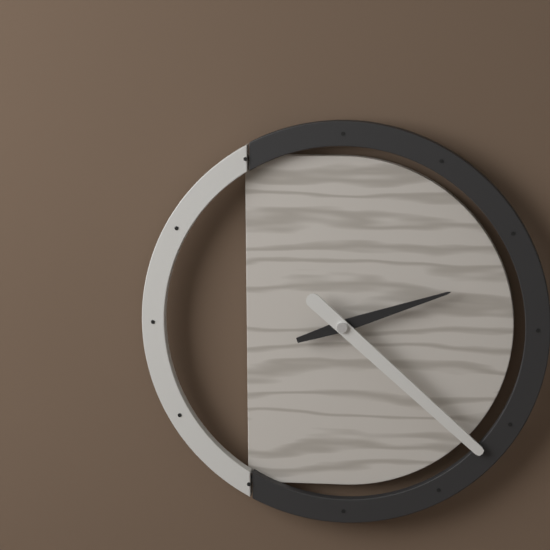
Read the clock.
2:22
